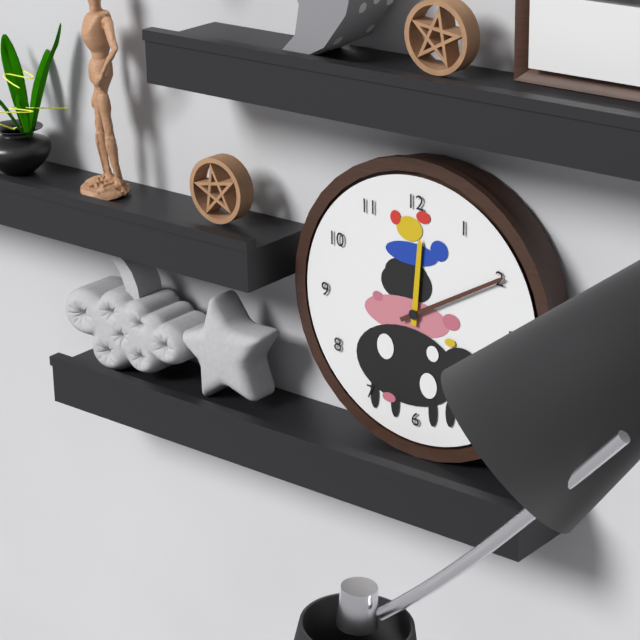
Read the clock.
12:10
